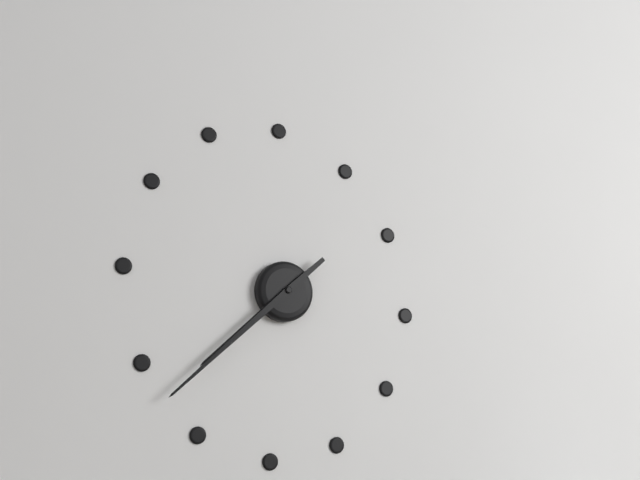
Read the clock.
7:38
